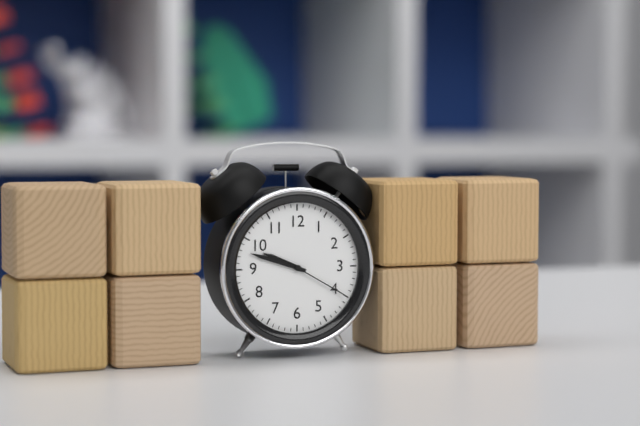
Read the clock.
9:48:20
